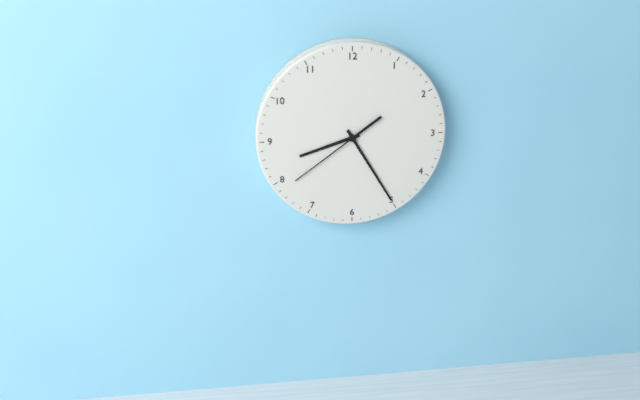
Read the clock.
8:25:39
